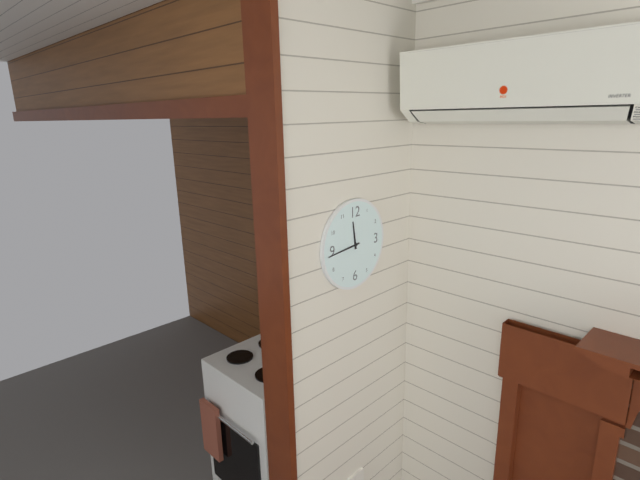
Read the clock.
11:44
